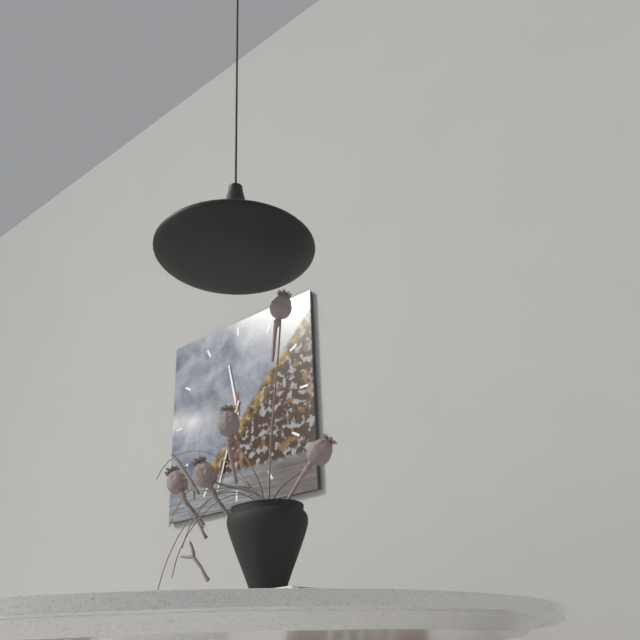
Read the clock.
11:33:30
